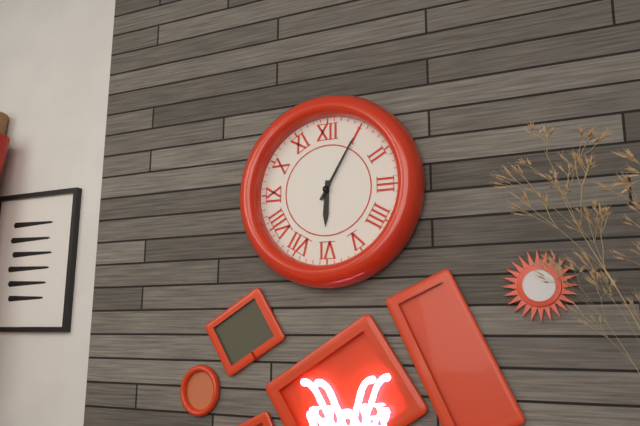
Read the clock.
6:05
